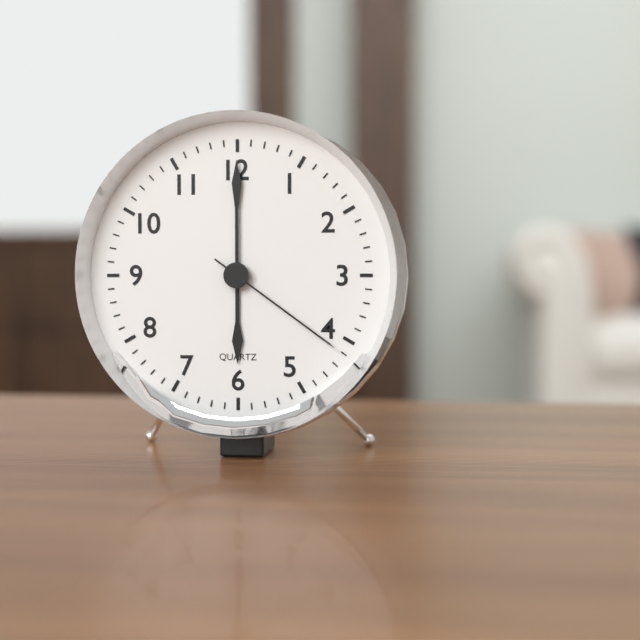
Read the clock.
6:00:21
